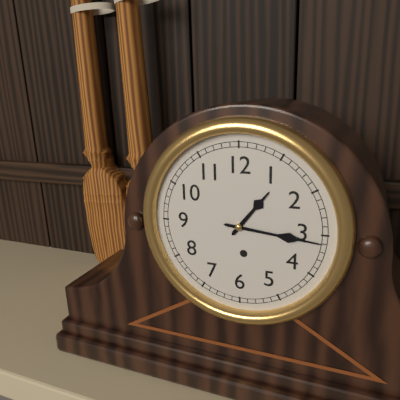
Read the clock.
1:16
